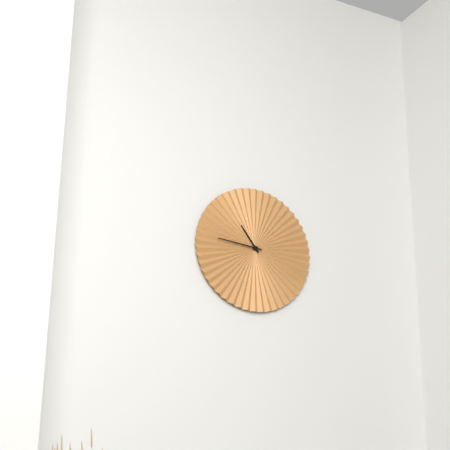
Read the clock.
10:46
